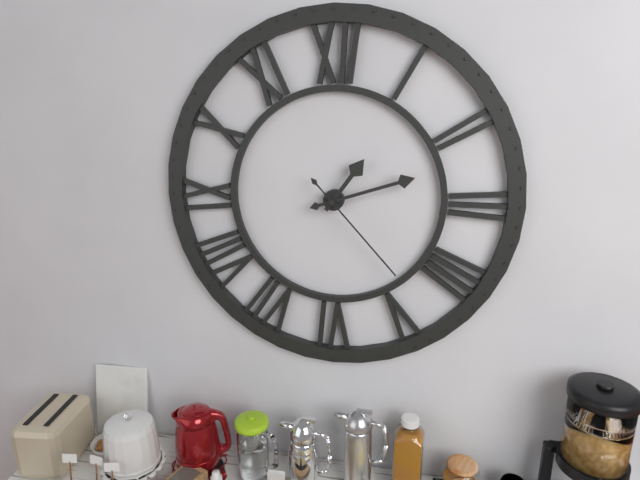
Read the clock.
1:12:23
